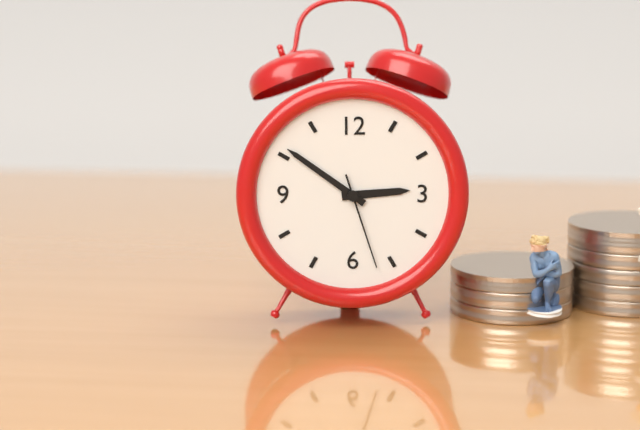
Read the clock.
2:51:27
